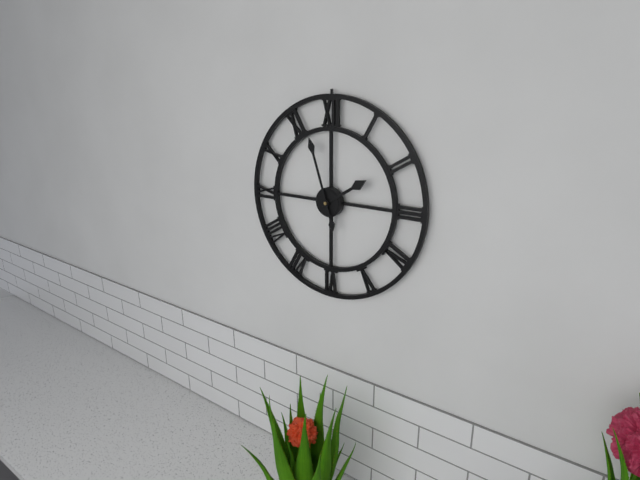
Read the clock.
1:57
